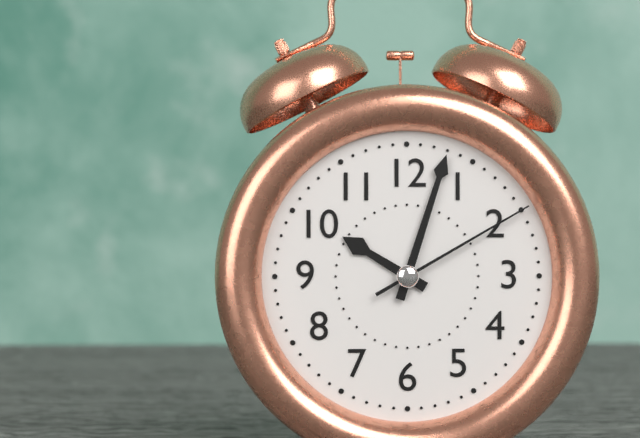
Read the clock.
10:03:10
